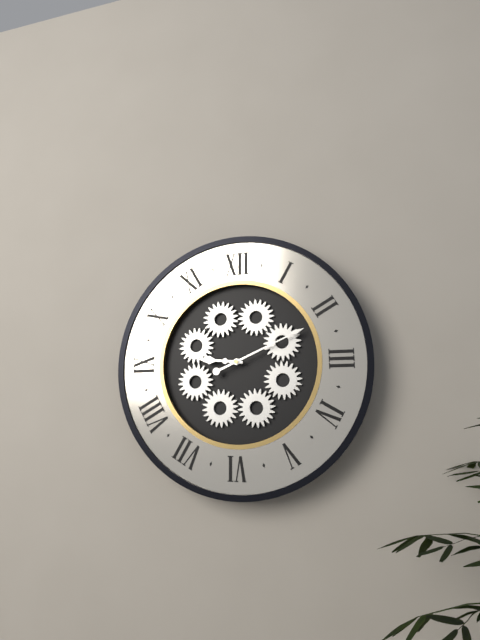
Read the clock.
9:11
